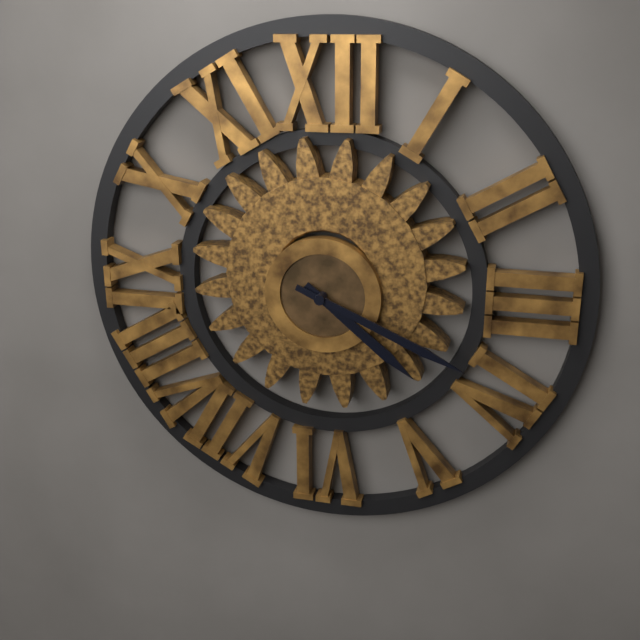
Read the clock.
4:19
